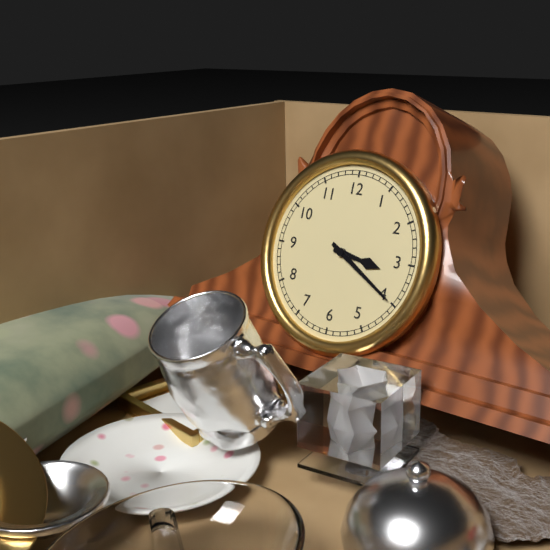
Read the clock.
3:20
